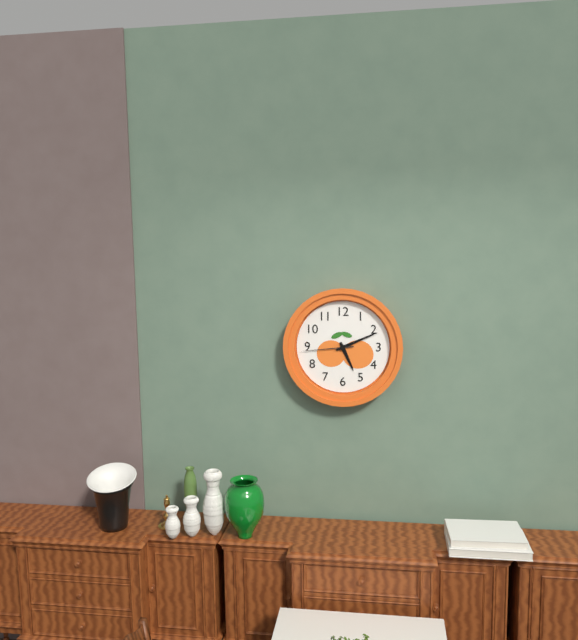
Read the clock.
5:11:44
